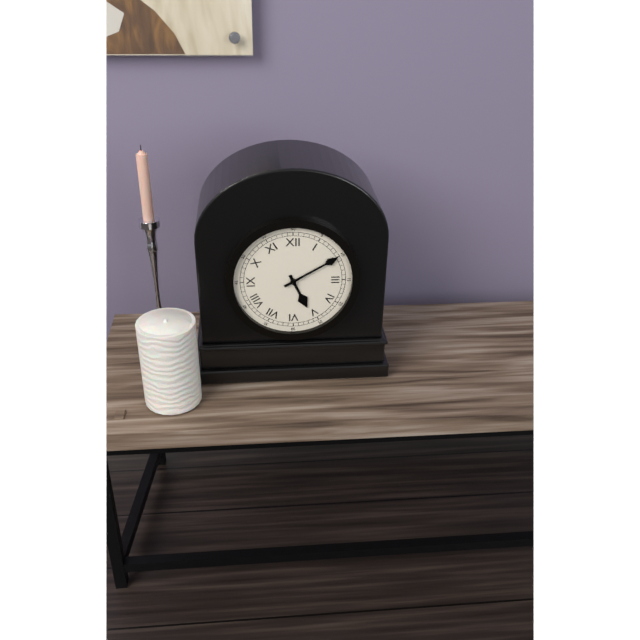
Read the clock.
5:10
